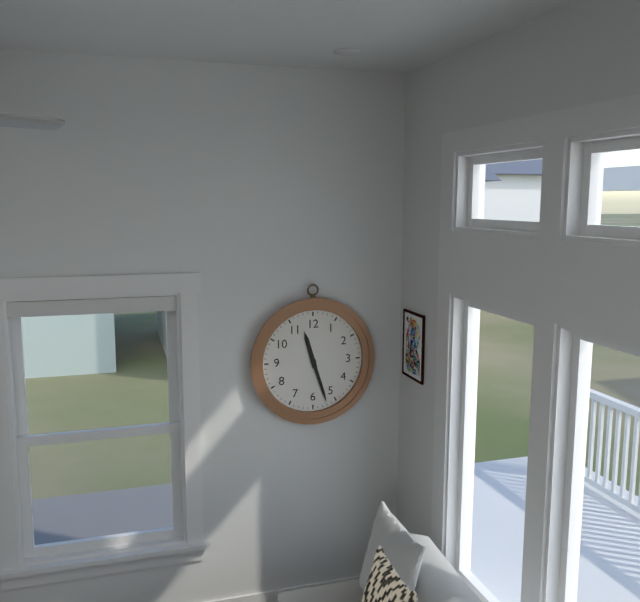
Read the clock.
11:27
